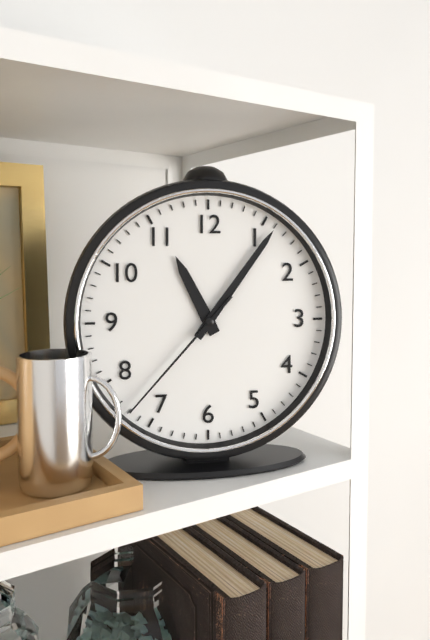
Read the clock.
11:06:37
